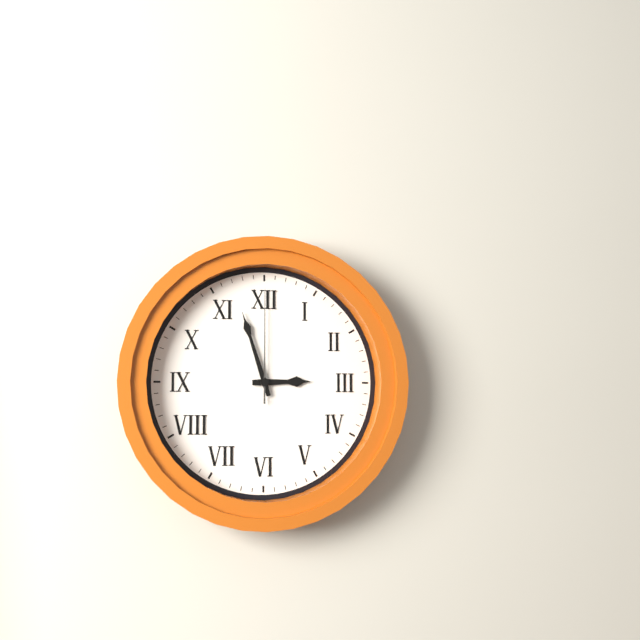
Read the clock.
2:57:00
